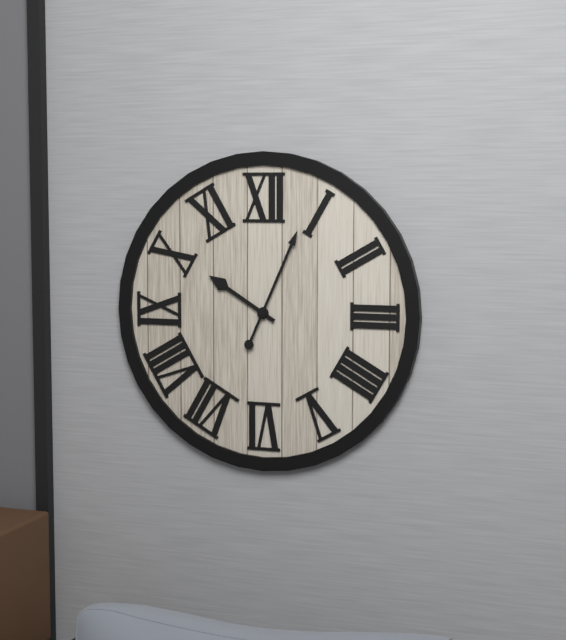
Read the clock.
10:04
